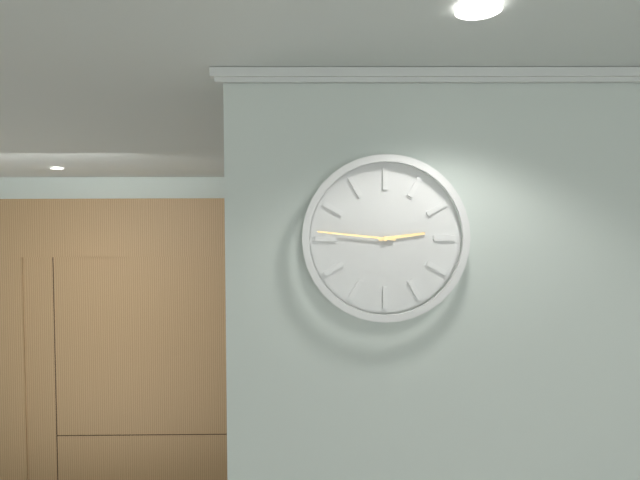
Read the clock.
2:46
